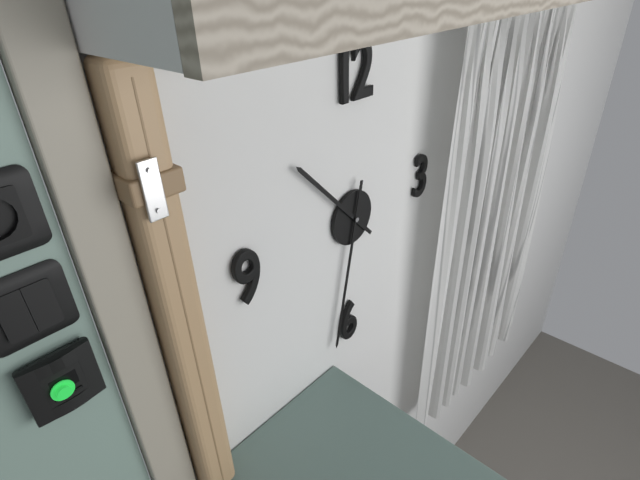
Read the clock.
10:32
